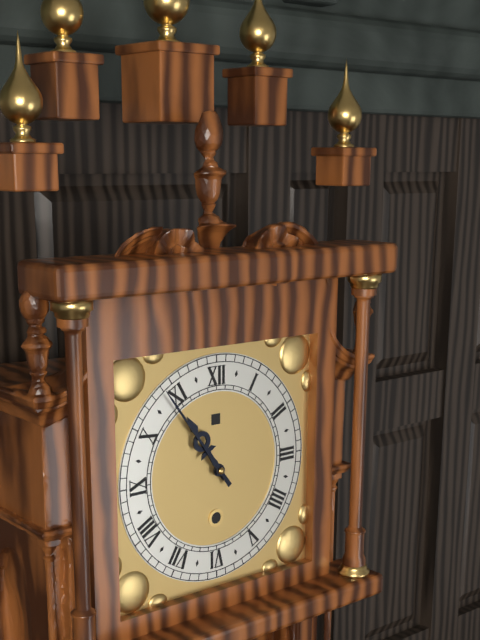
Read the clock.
10:54
